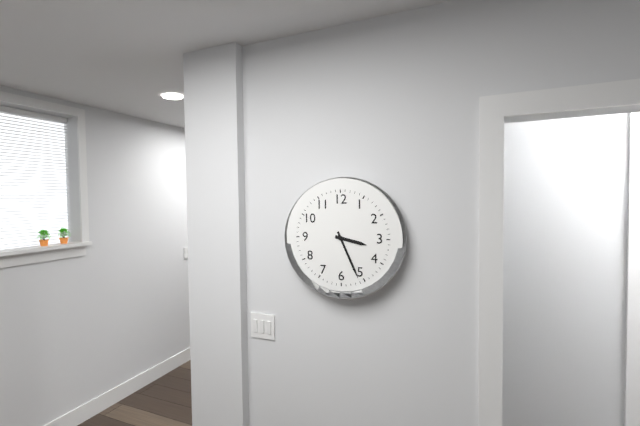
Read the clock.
3:26
